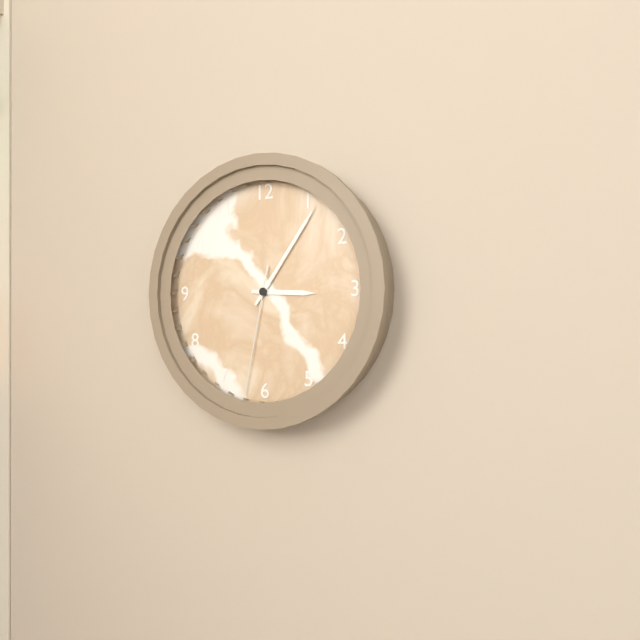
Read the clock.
3:06:32
